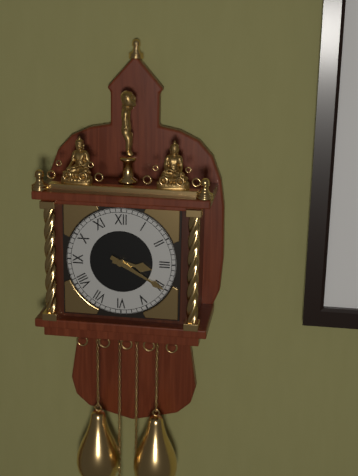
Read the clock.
3:20
